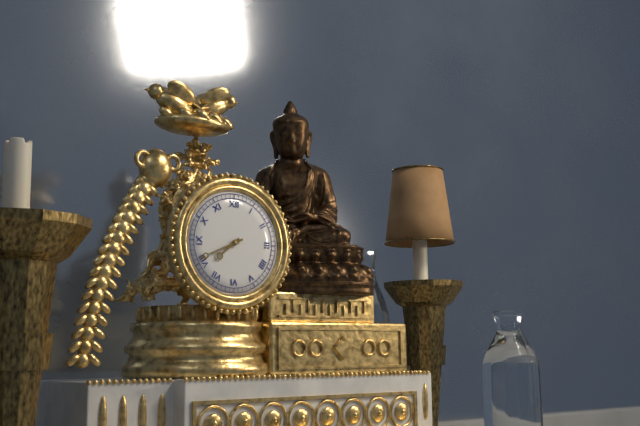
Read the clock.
7:41
